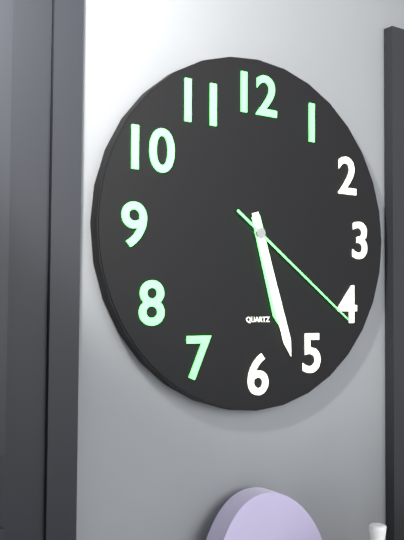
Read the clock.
5:27:21
